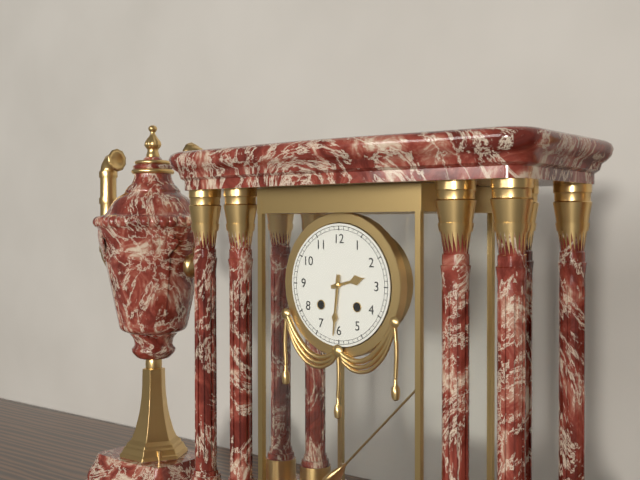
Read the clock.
2:31
